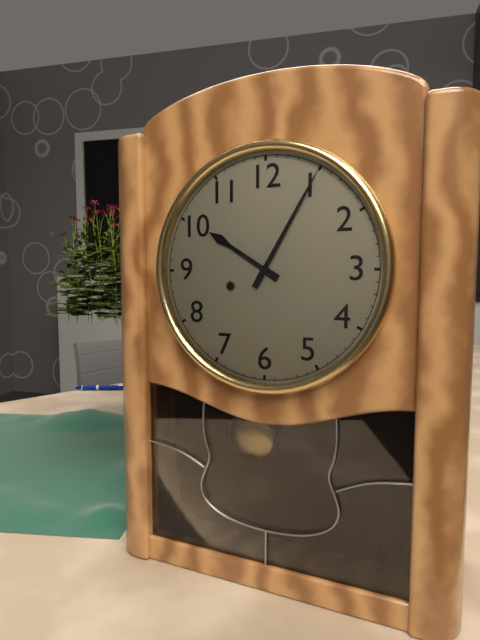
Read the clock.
10:05
